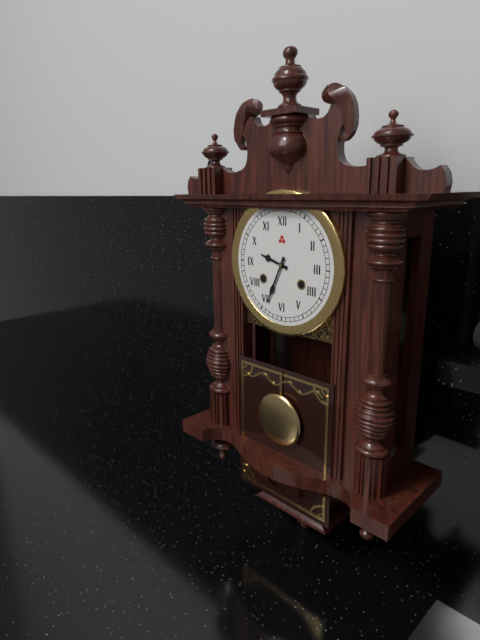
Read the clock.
9:34
